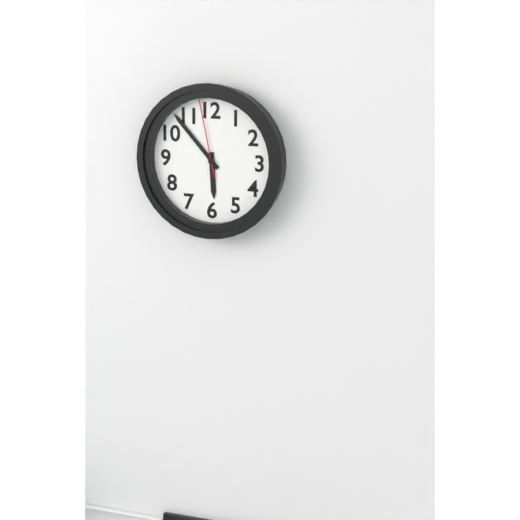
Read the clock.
5:53:58
